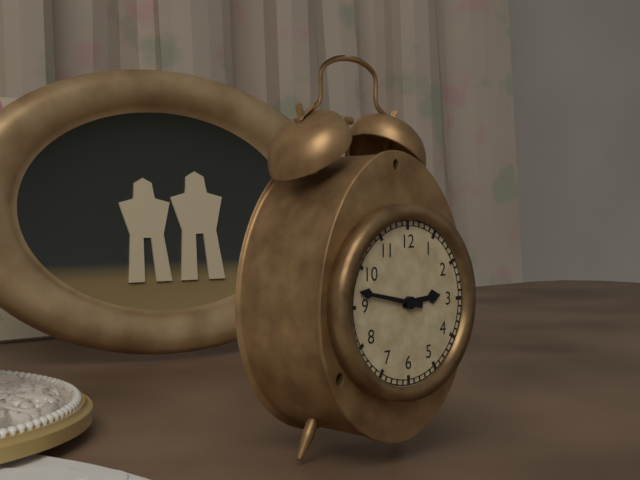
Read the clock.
2:47
